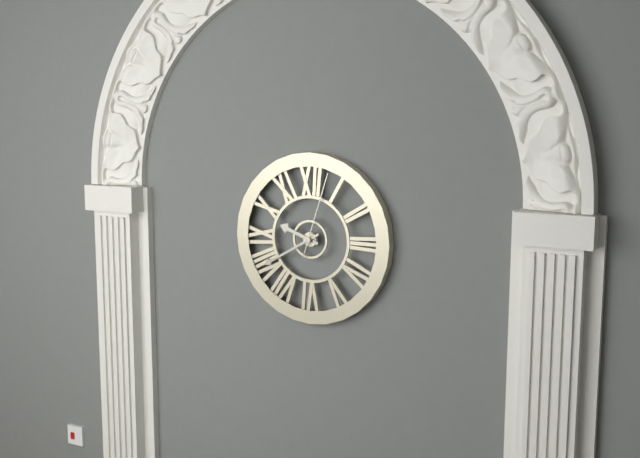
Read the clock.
9:40:03
